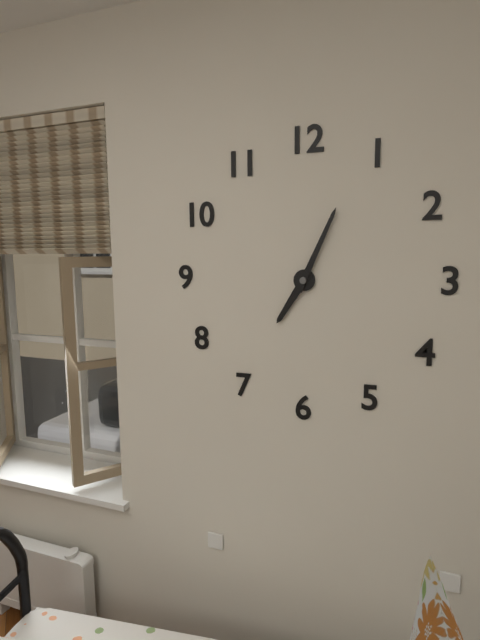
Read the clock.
7:04
